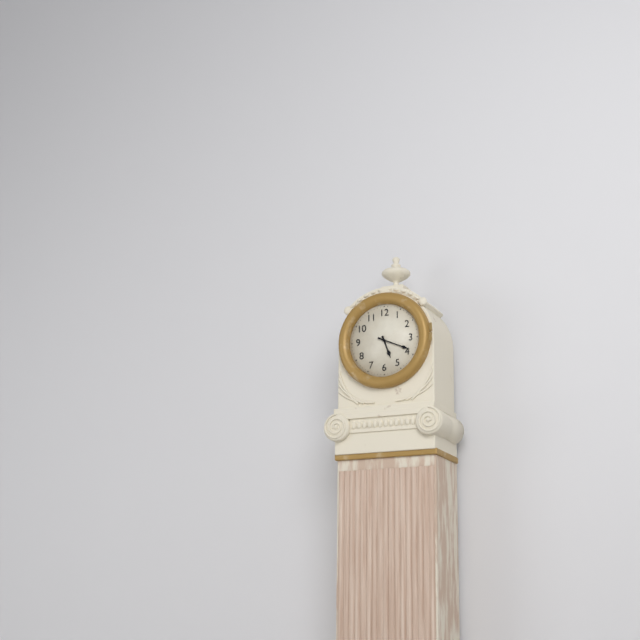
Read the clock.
5:19
